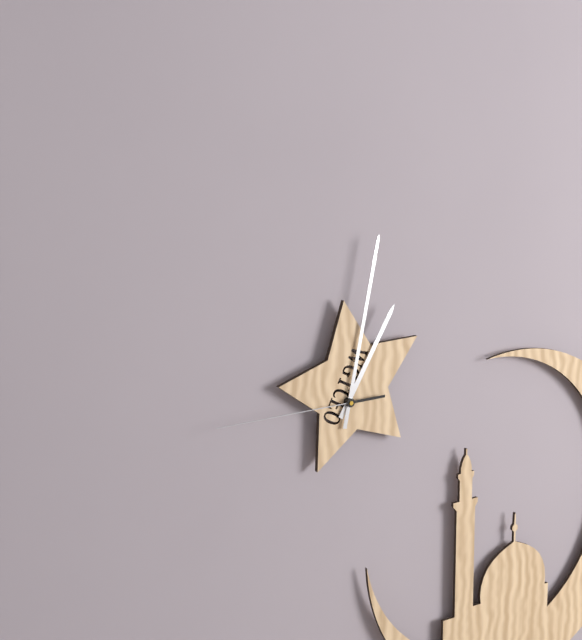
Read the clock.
1:02:45
